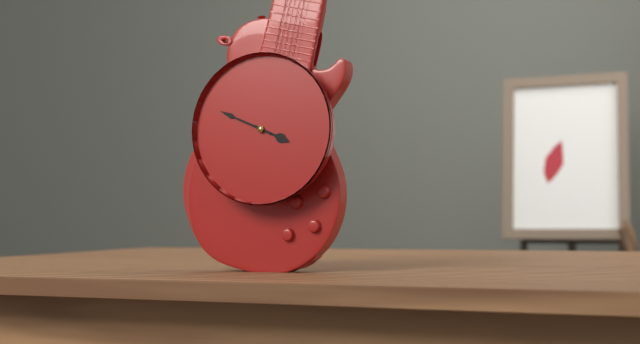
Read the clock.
3:49
